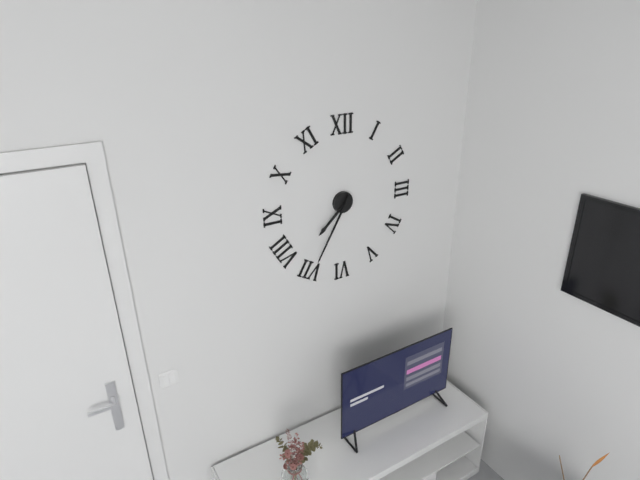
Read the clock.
7:35
